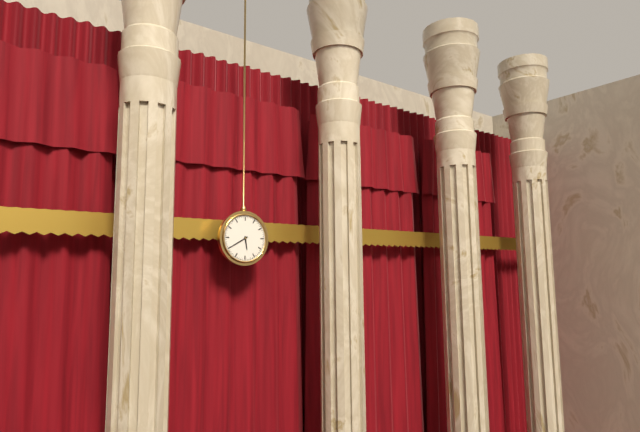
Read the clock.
5:40
